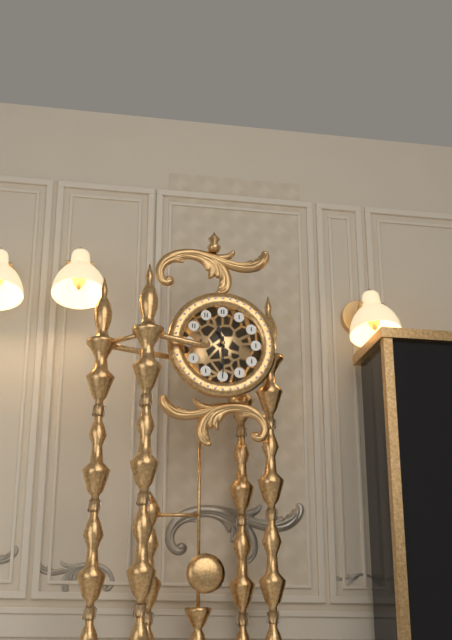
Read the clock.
11:30
